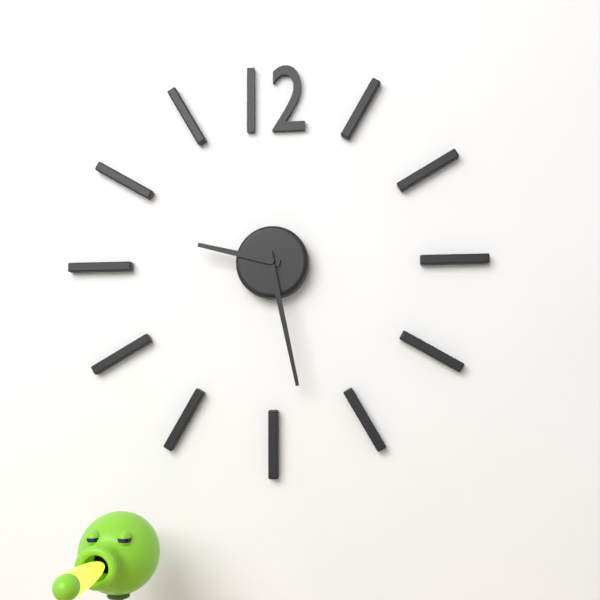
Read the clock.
9:28
